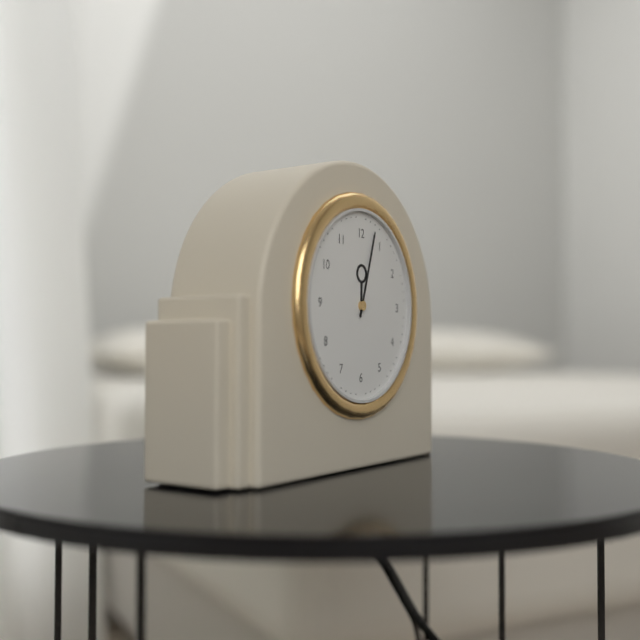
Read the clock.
12:03
